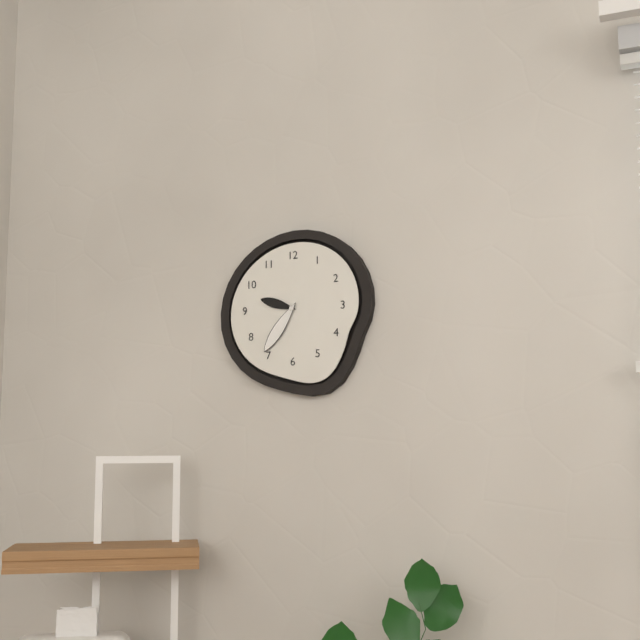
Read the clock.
9:36
